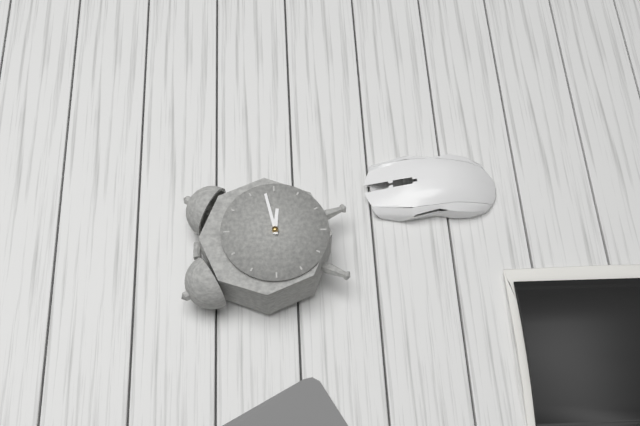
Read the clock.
3:13
